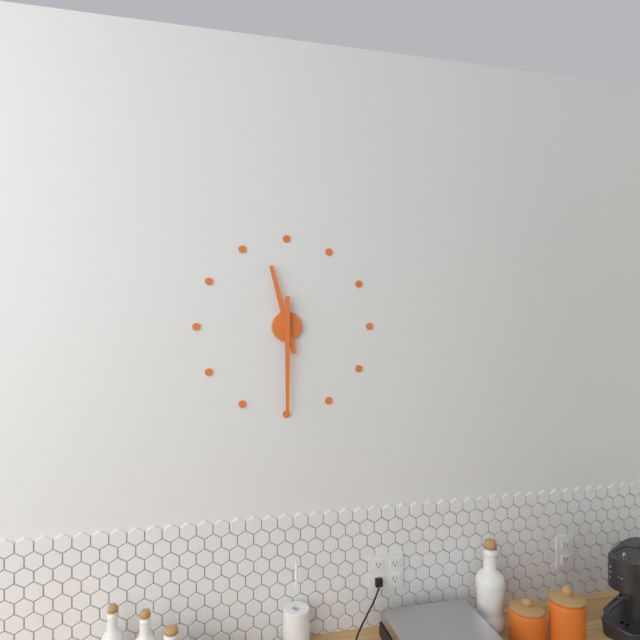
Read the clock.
11:30
